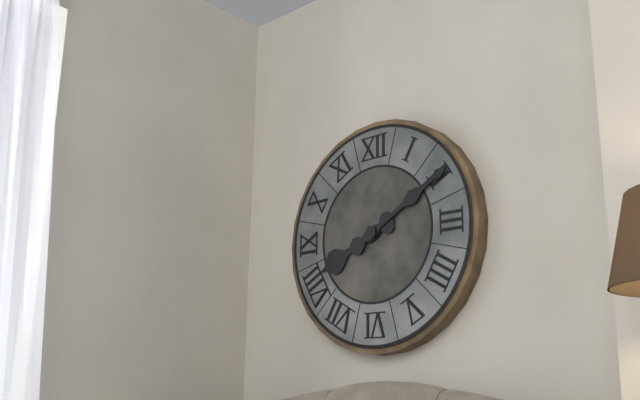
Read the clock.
8:10
